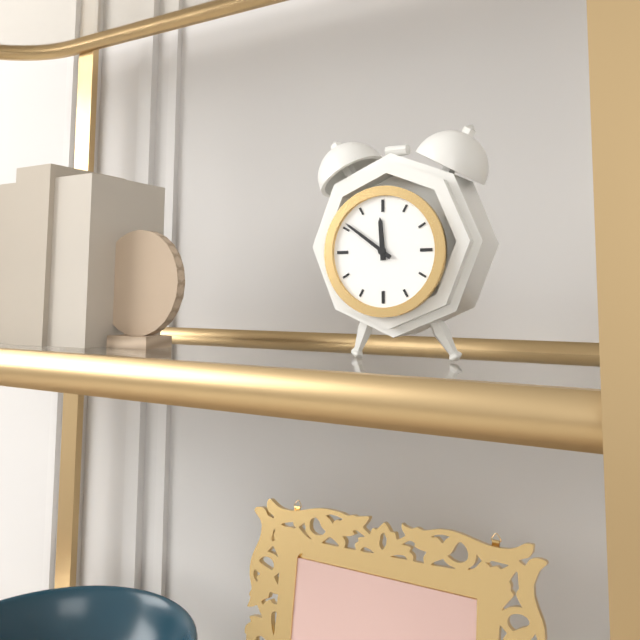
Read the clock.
11:51
